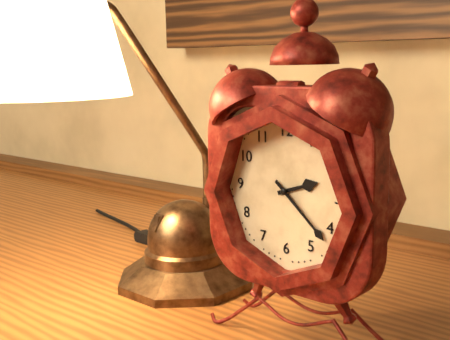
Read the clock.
2:22
